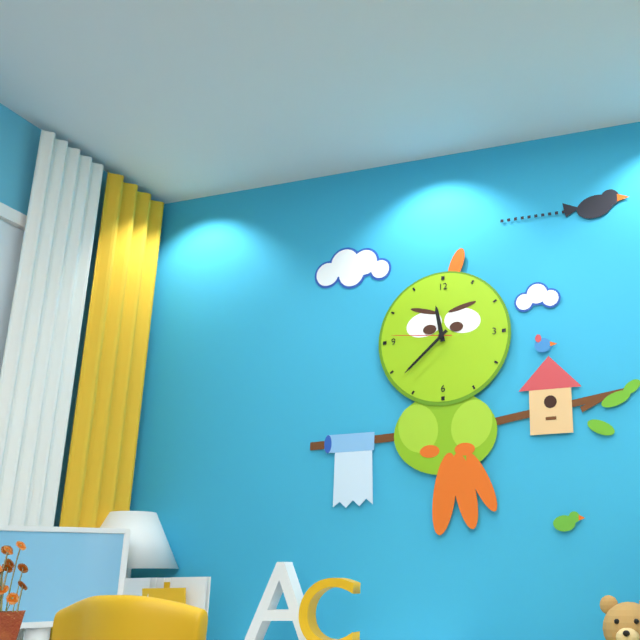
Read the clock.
11:38:46
